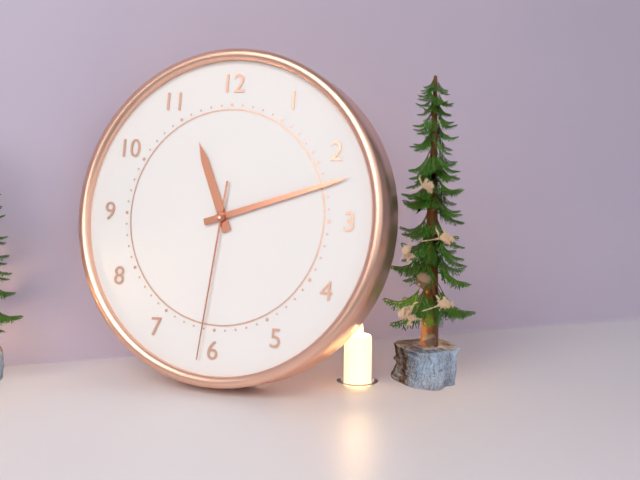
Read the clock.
11:12:31
